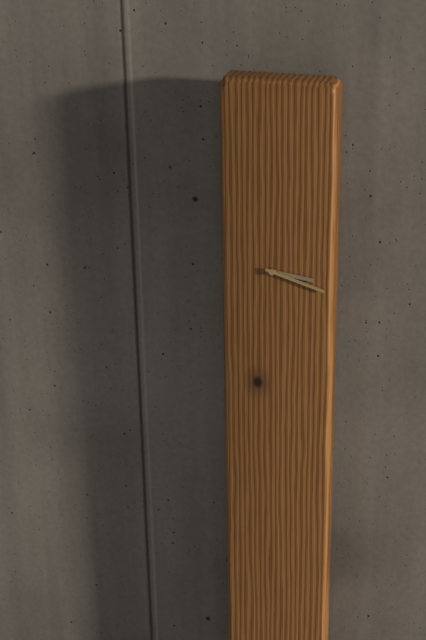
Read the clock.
3:18
